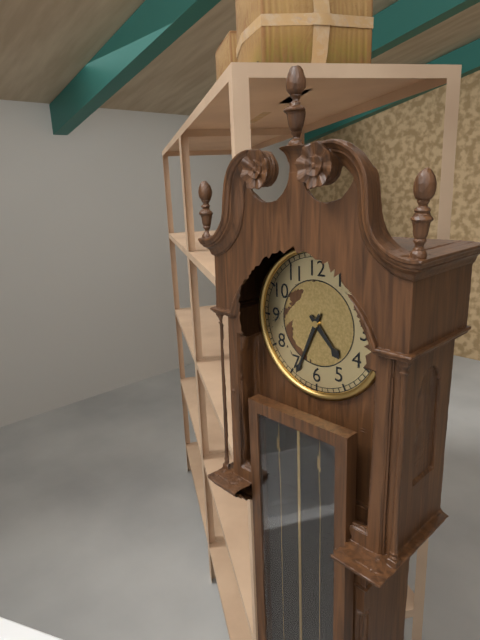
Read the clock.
4:34
